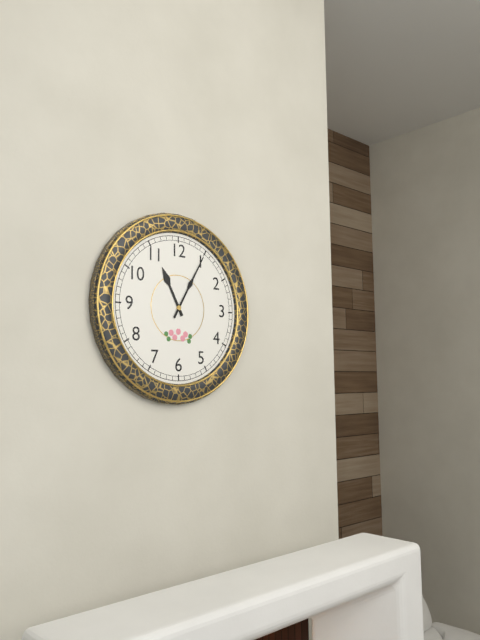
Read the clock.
11:05
